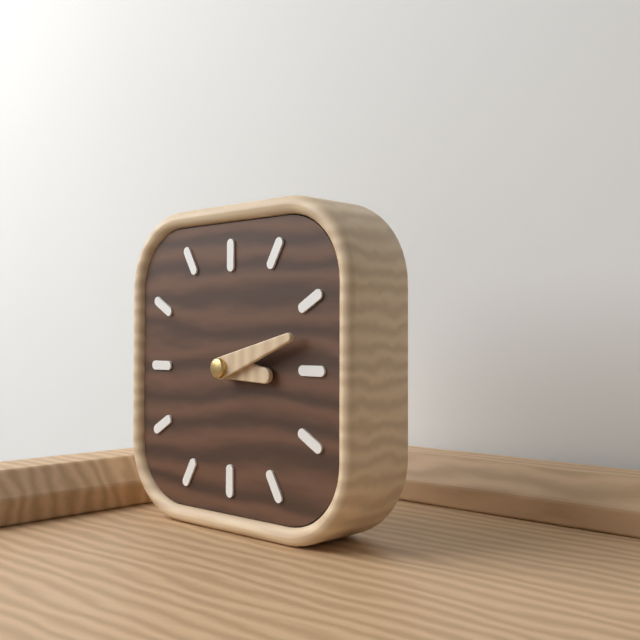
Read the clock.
3:12
